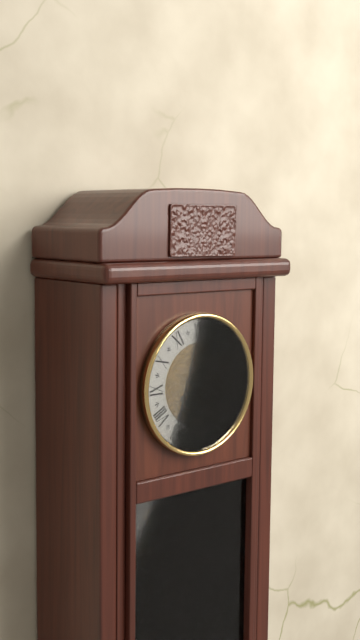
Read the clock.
7:18
